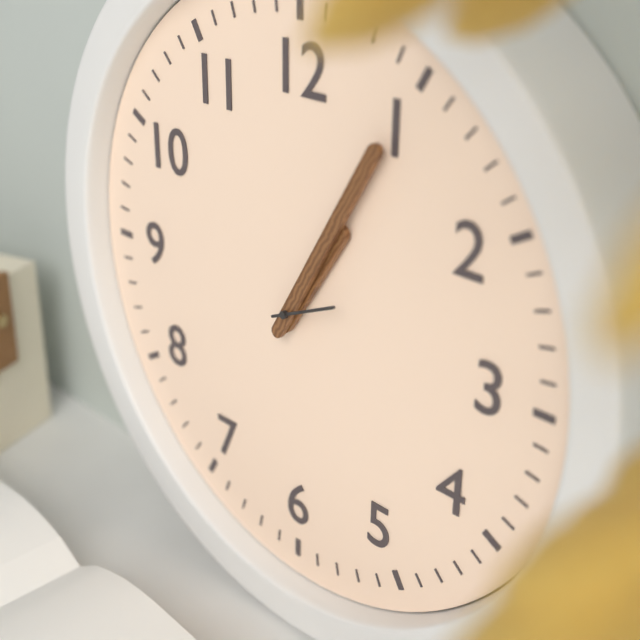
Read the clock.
1:05:11
